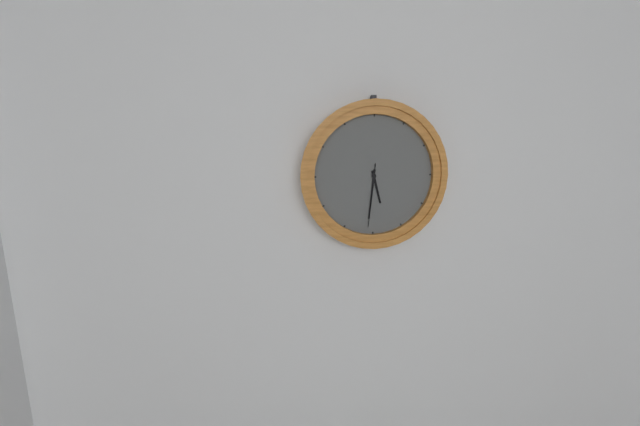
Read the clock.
5:31:31
